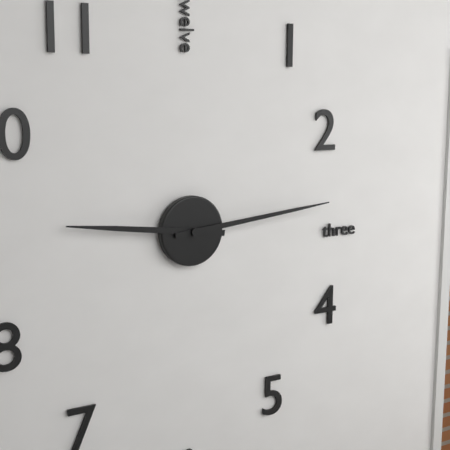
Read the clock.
9:14
